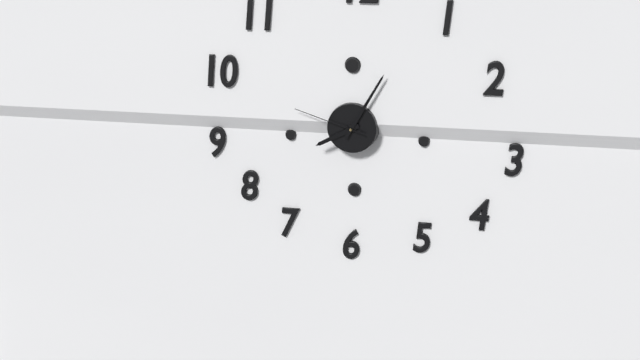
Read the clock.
8:05:48
